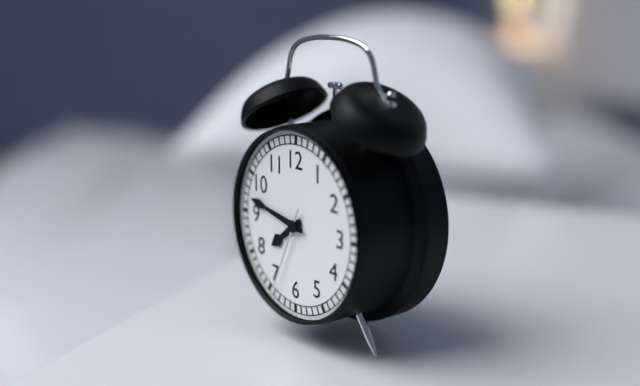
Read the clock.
7:47:34
